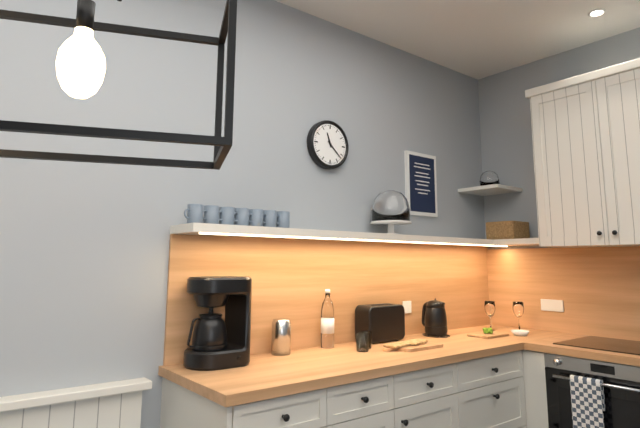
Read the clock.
11:22
